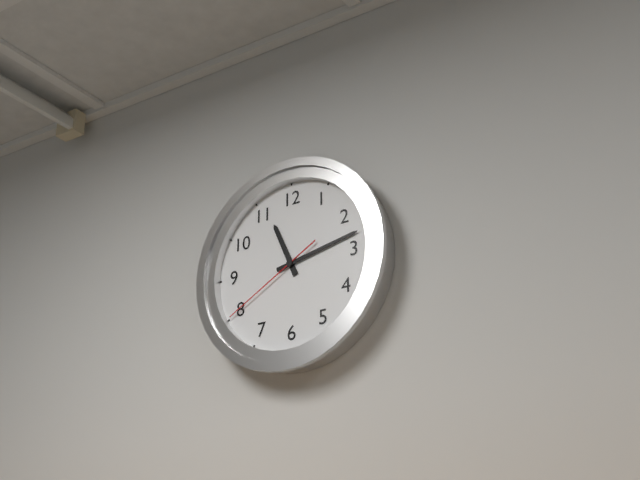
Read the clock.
11:13:40
